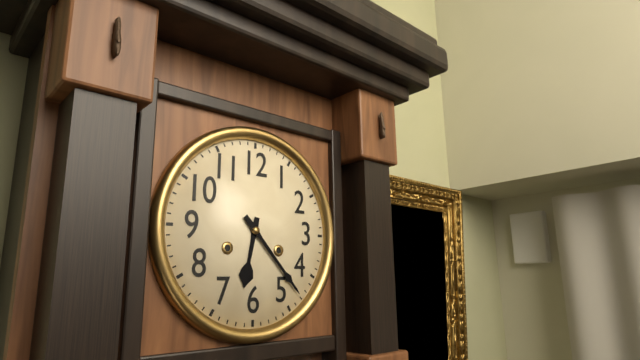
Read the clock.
6:23
